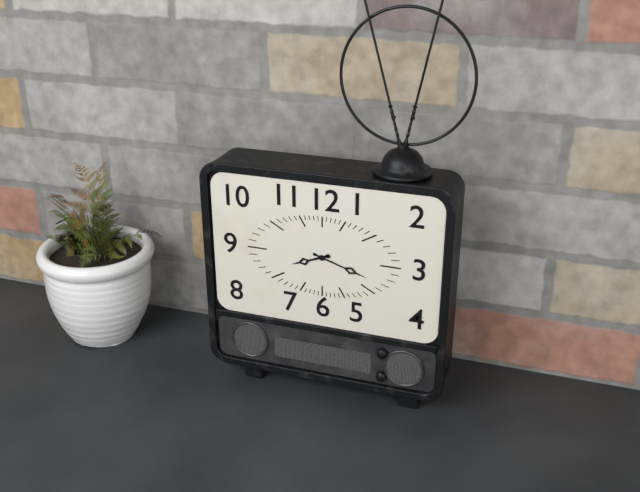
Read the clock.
8:18
